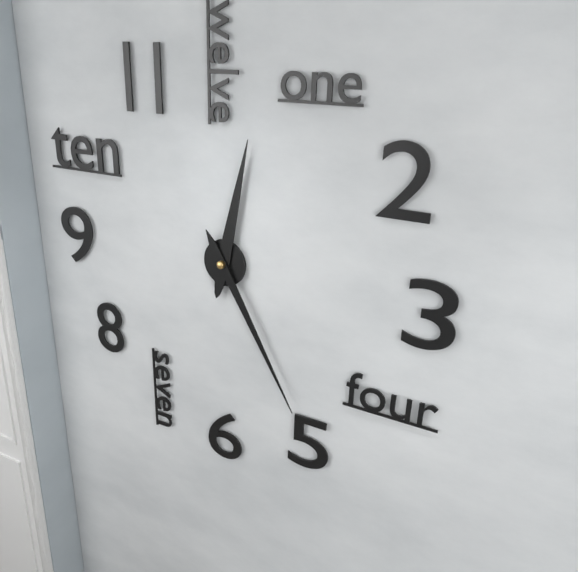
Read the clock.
12:25
